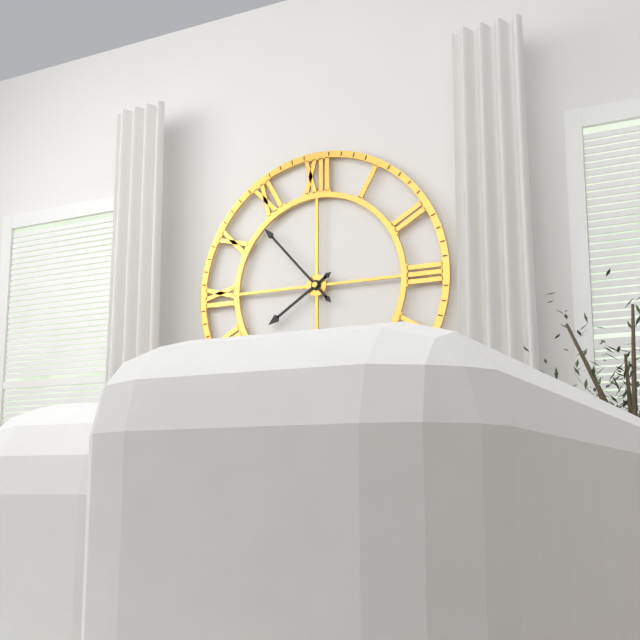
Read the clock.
7:53
